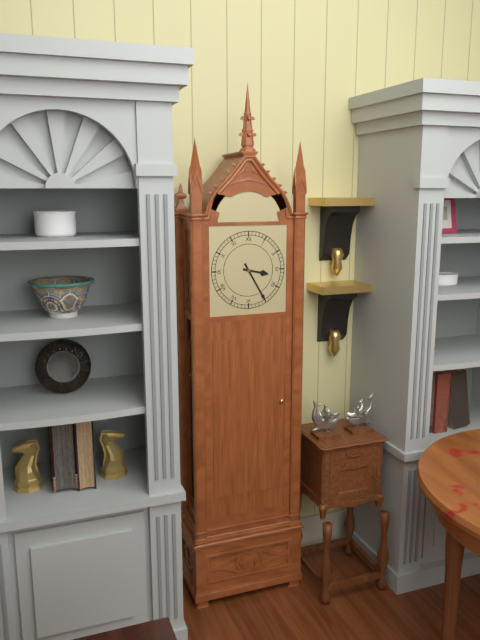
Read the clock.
3:25
